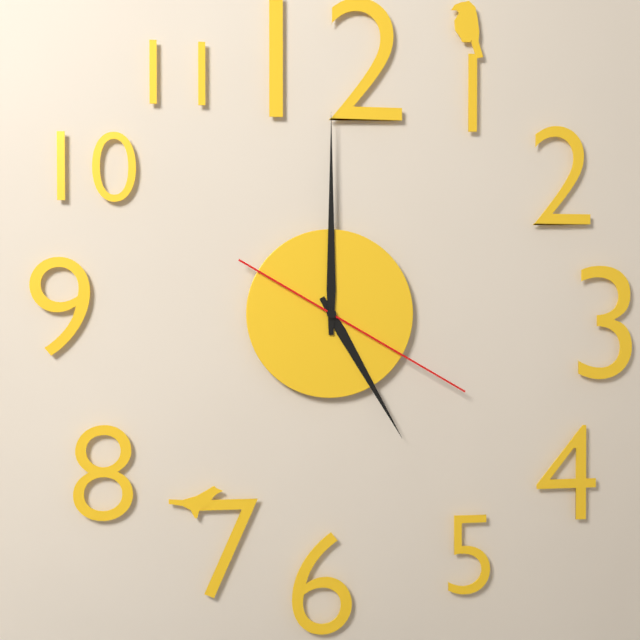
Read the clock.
5:00:20
